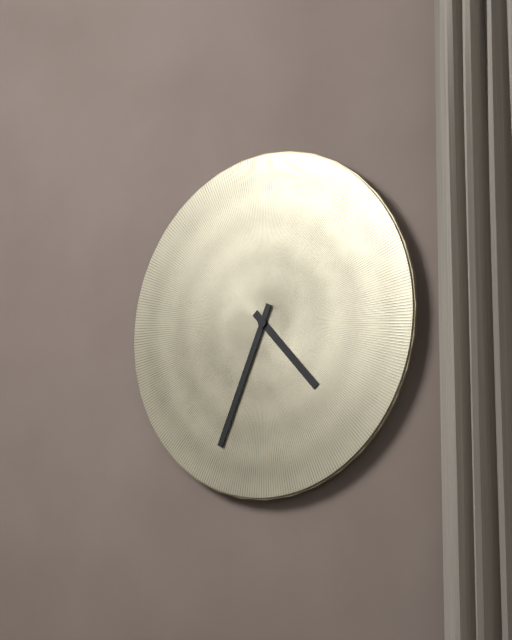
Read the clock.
4:34
